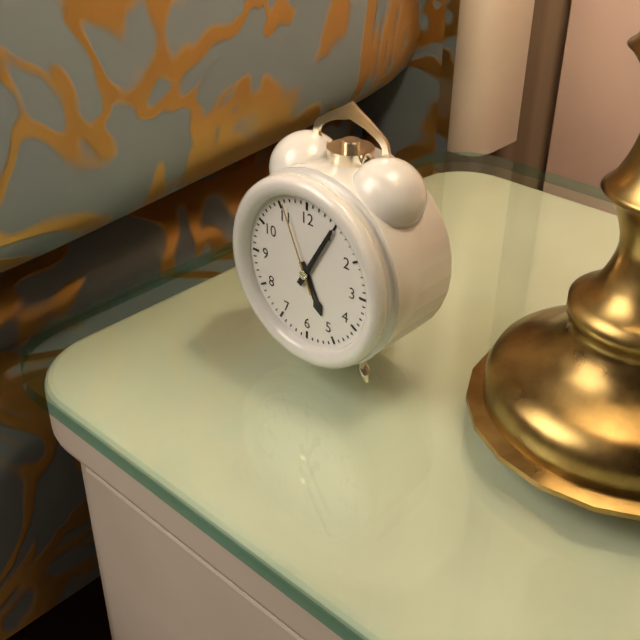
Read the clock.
5:05:56
